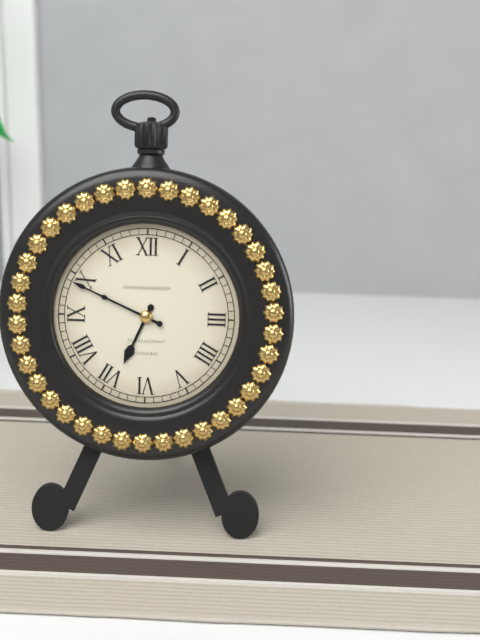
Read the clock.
6:49
